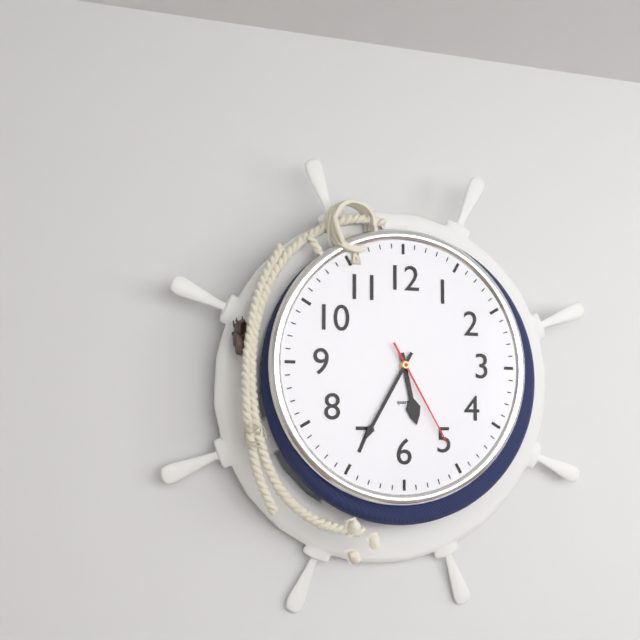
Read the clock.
5:35:25
